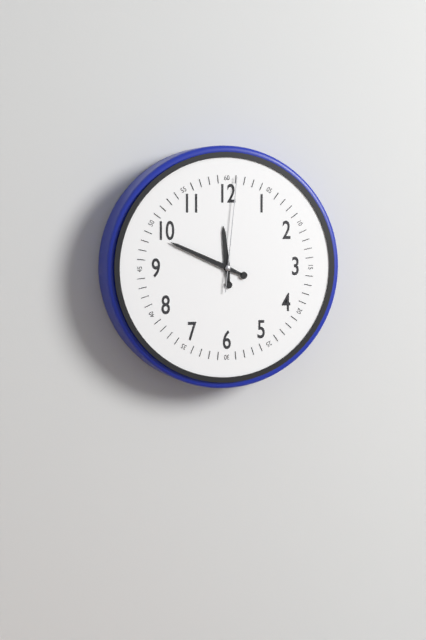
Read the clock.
11:49:01
